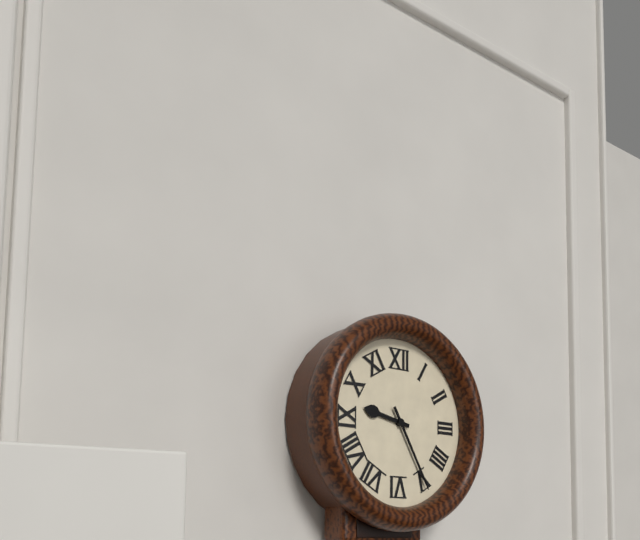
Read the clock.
9:25
